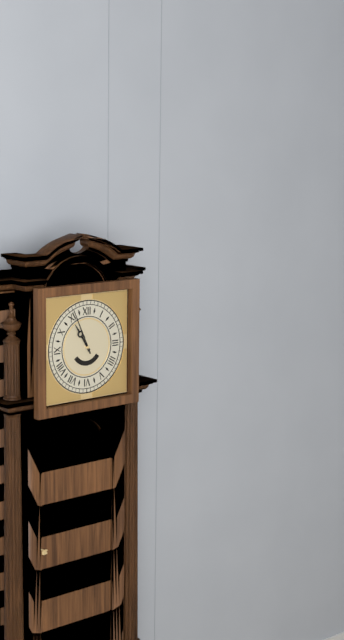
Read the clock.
10:56
